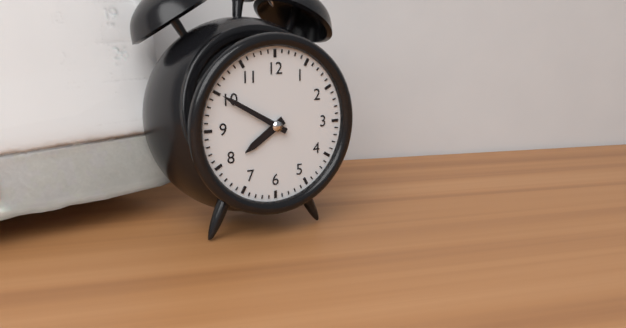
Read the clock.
7:50
